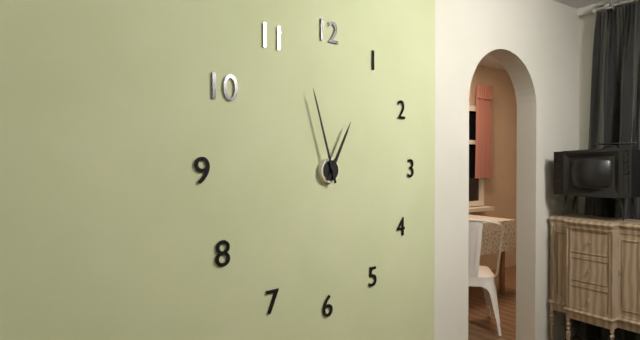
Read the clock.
12:57
